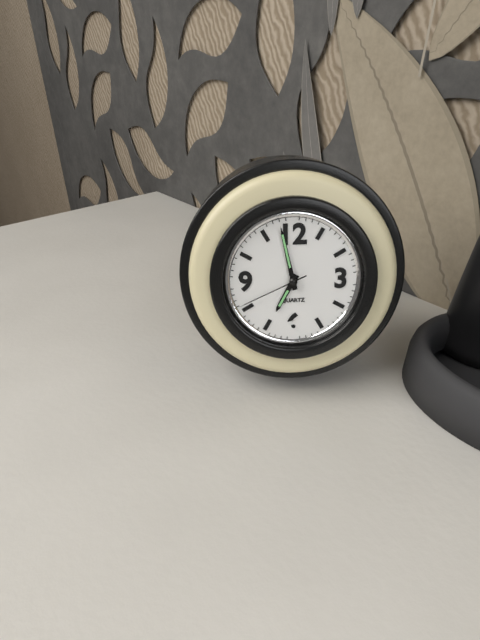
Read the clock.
6:58:41
